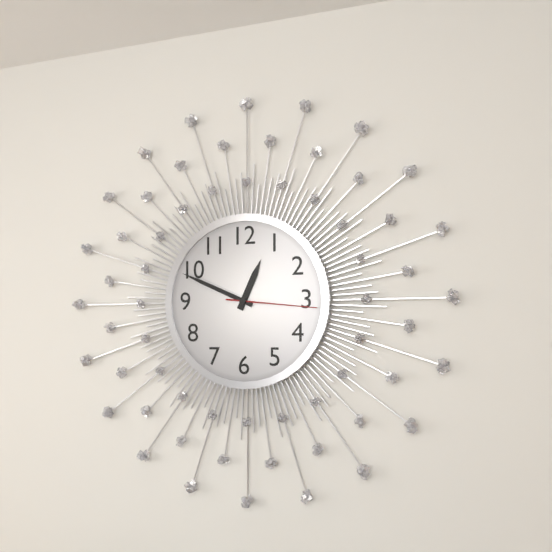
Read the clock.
12:49:16
